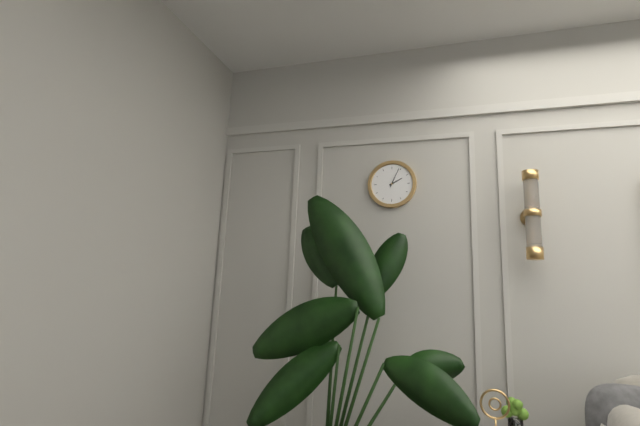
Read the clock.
2:04
